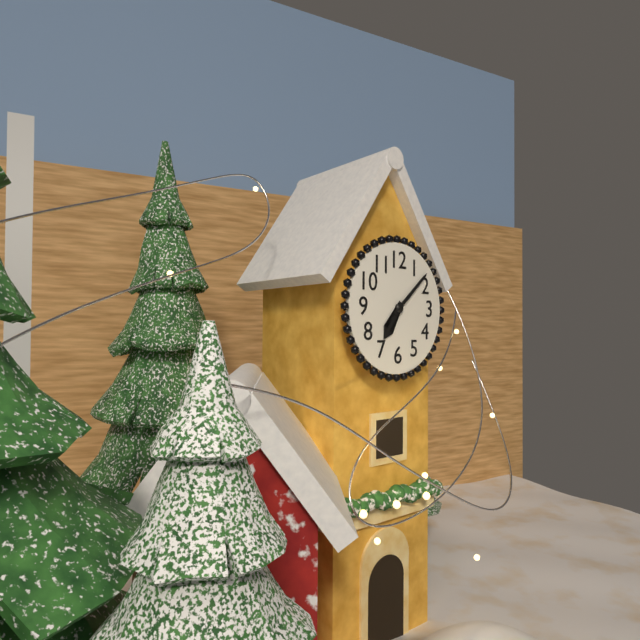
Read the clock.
7:08
